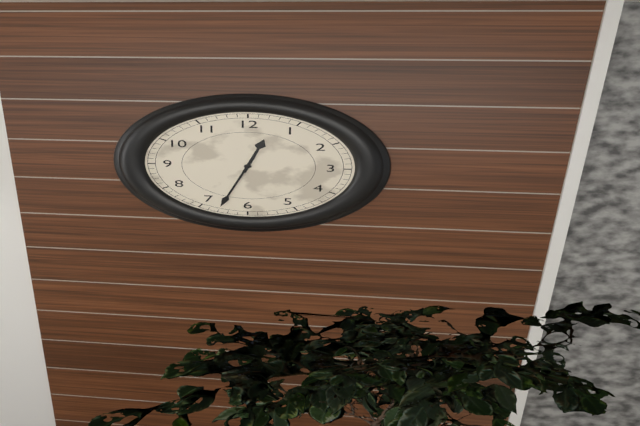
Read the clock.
12:33
